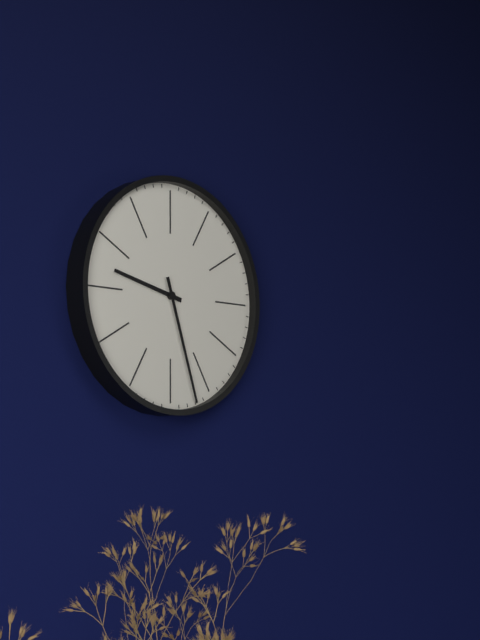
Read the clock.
9:27
